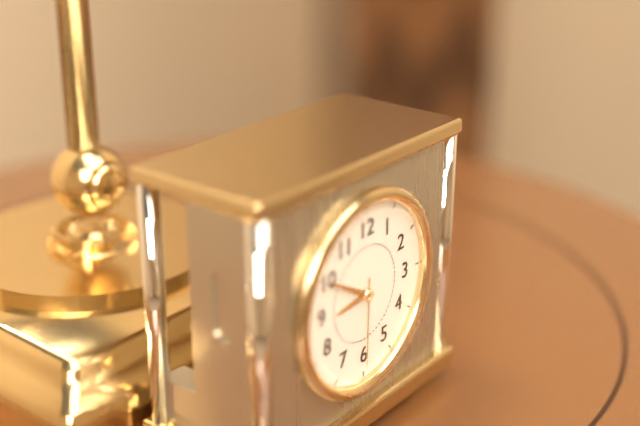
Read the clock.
8:50:30
